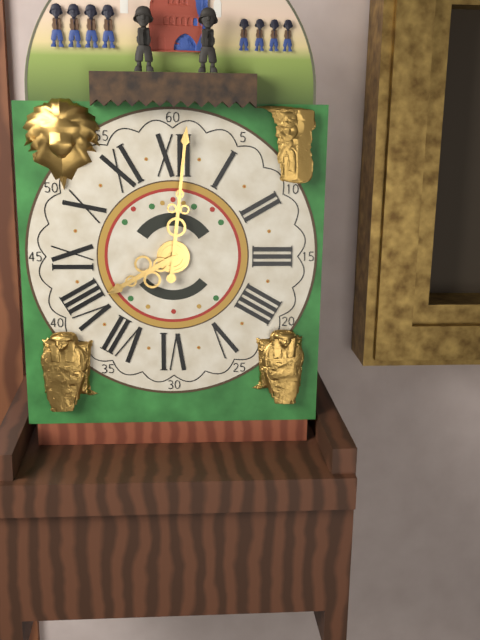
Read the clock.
8:01
